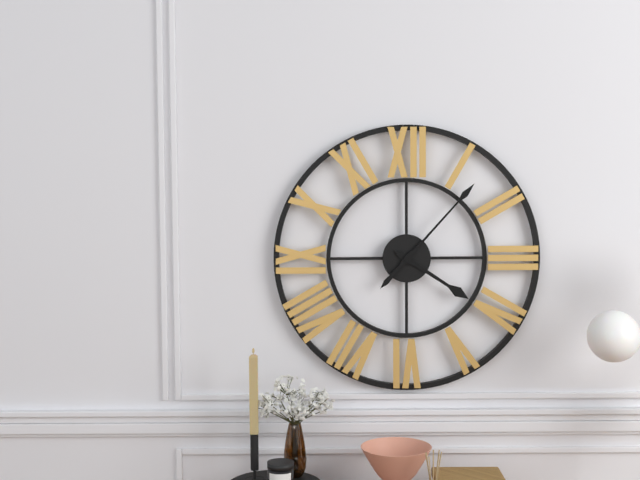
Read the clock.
4:07
